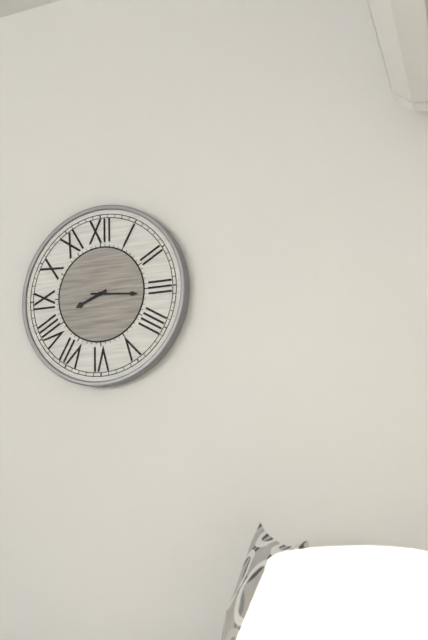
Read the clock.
8:16
